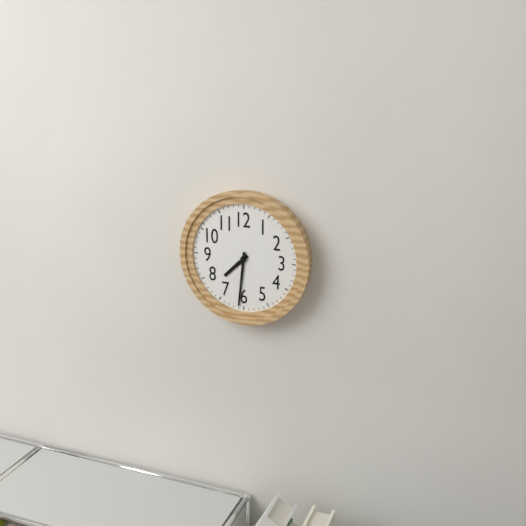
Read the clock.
7:31
